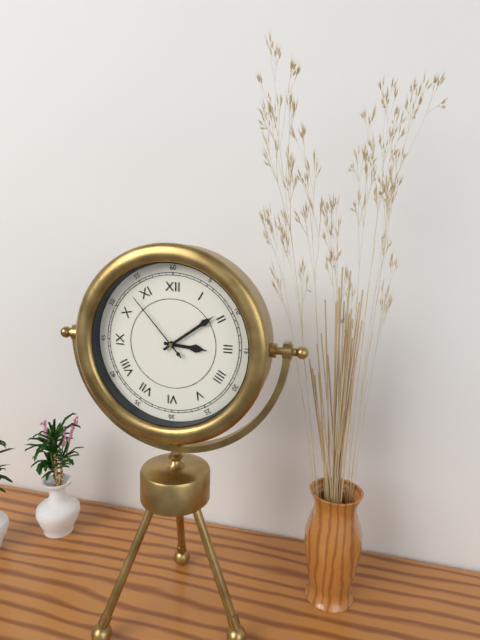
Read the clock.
3:09:53
